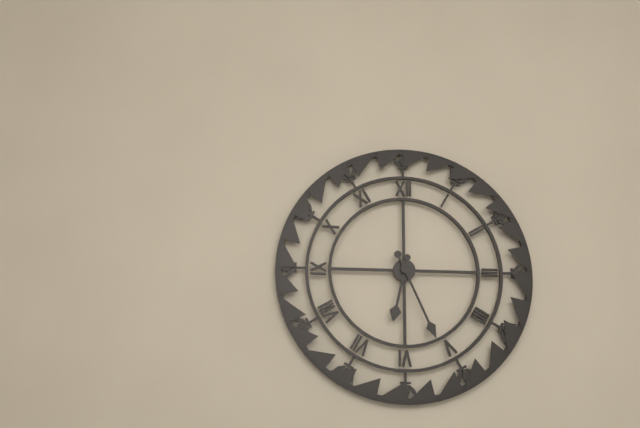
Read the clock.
6:26
